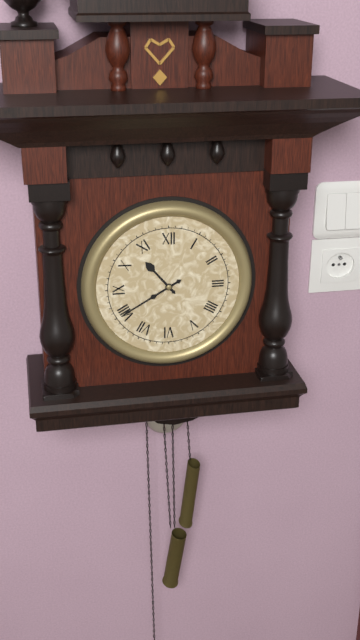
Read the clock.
10:40
